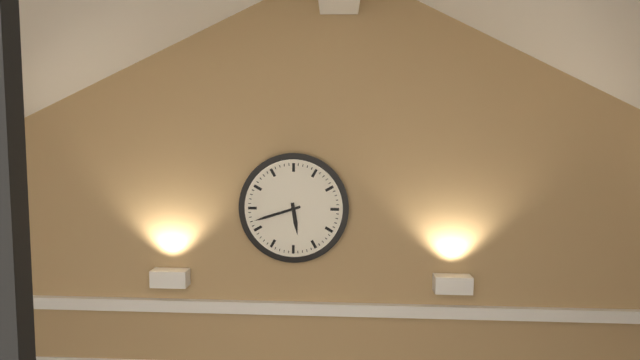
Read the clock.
5:42
